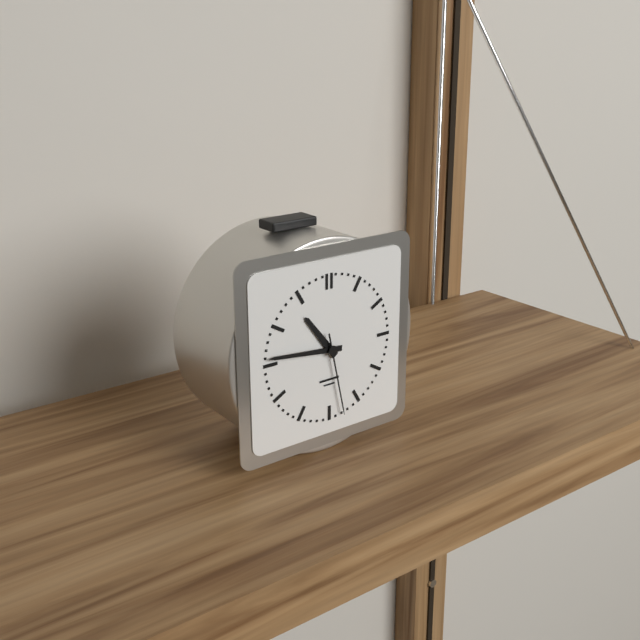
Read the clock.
10:46:28
